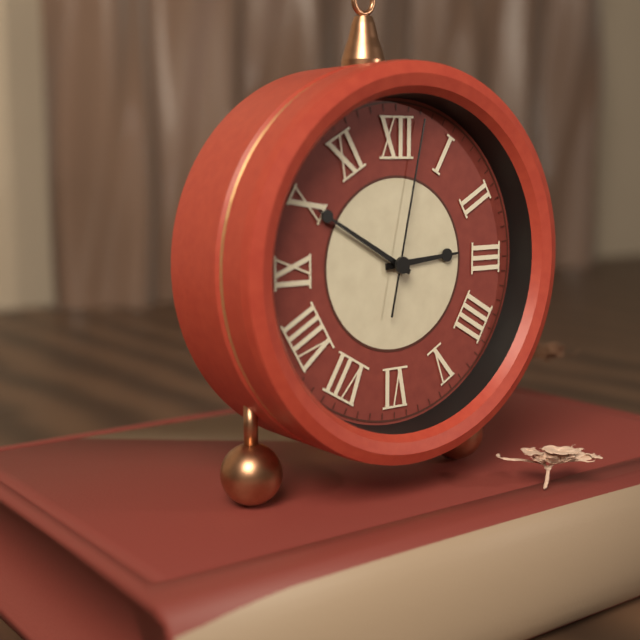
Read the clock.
2:50:02
